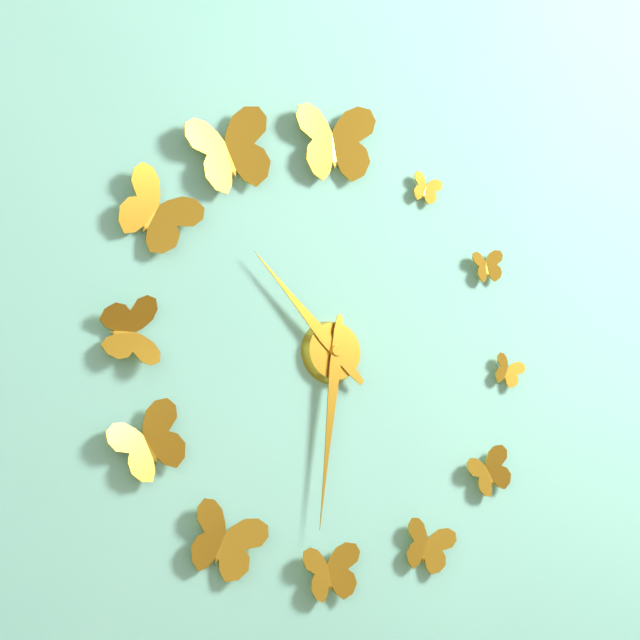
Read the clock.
10:31
